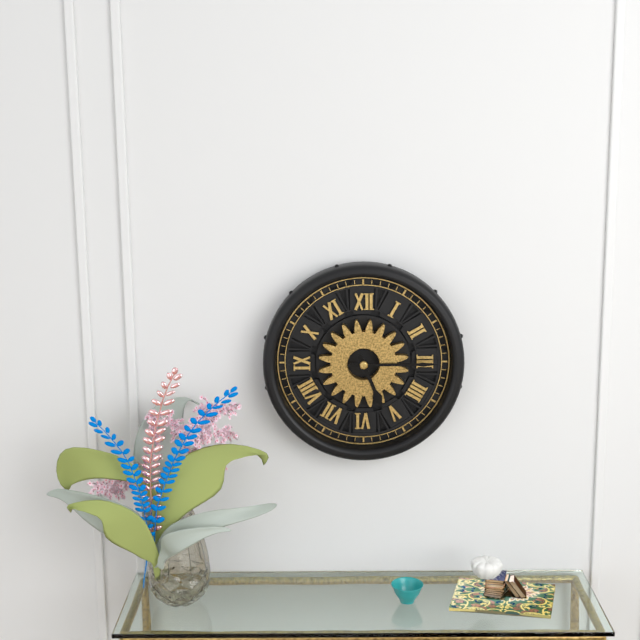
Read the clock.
5:15
